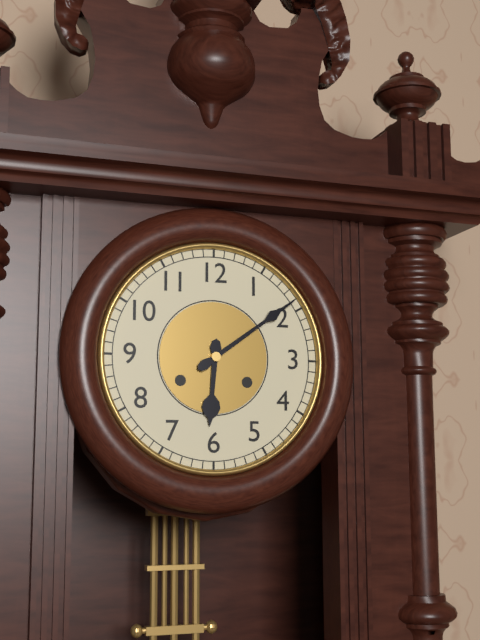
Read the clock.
6:09
